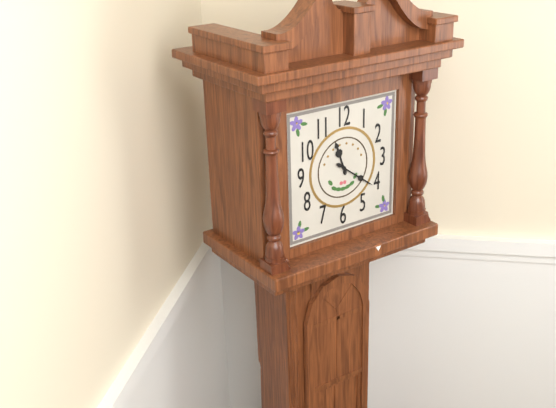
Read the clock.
11:21
